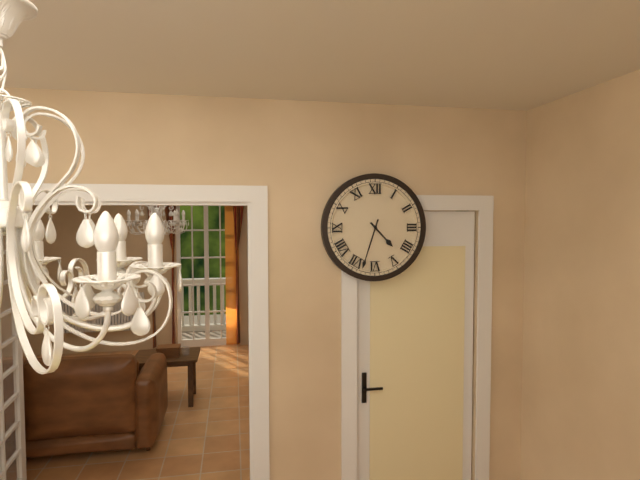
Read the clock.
4:33
